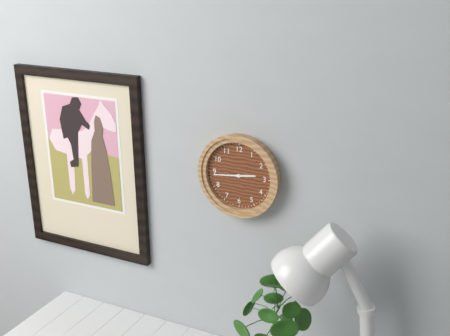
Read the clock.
2:44
